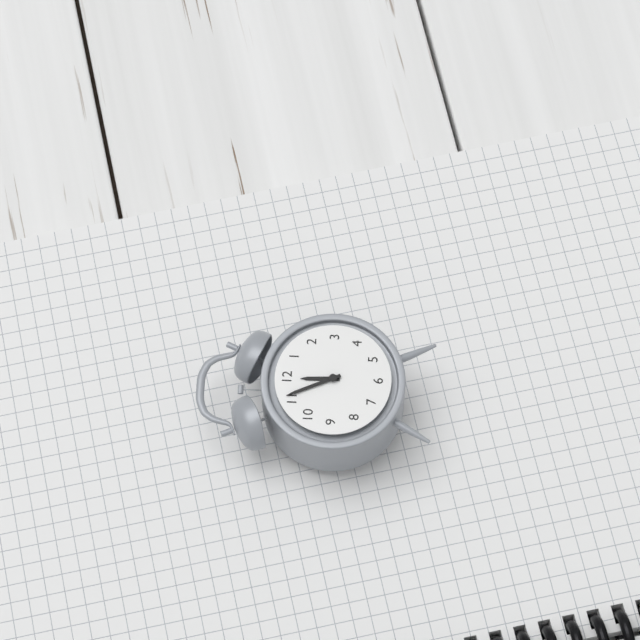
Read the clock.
11:56
